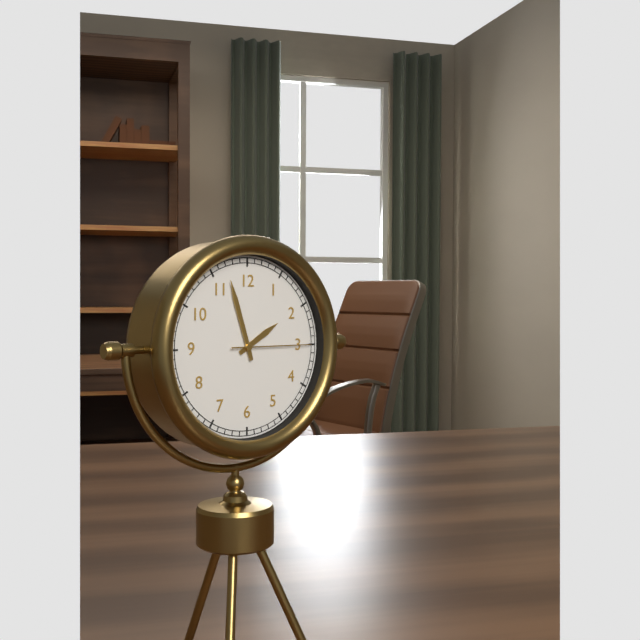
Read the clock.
1:57:15
